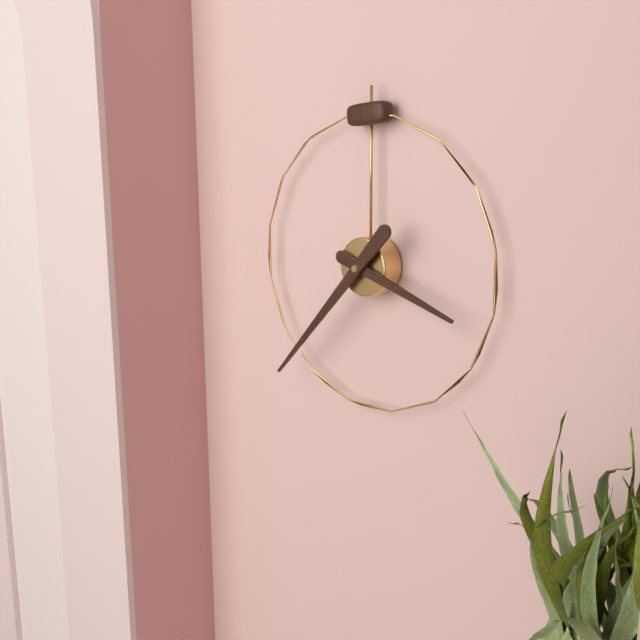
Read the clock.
3:37
